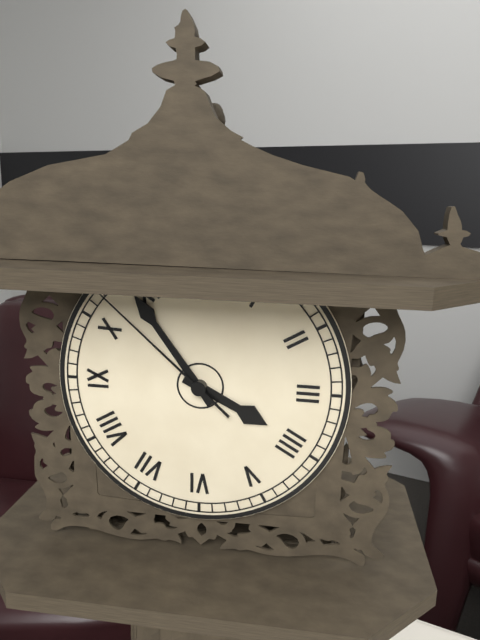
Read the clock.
3:54:52
